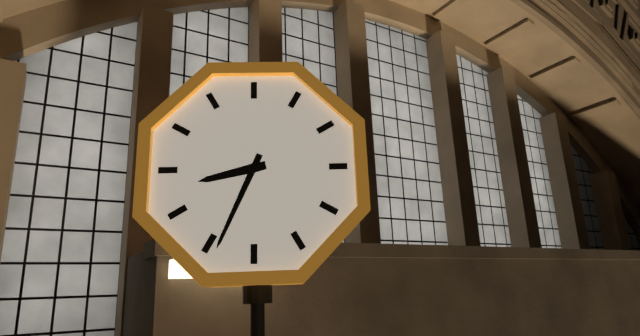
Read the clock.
8:34
